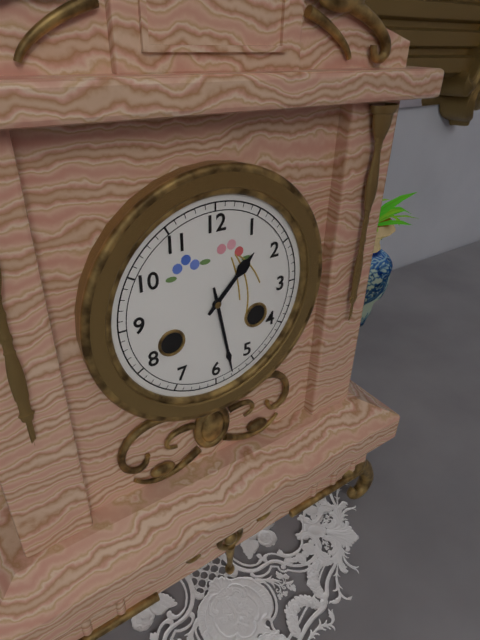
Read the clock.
1:28
